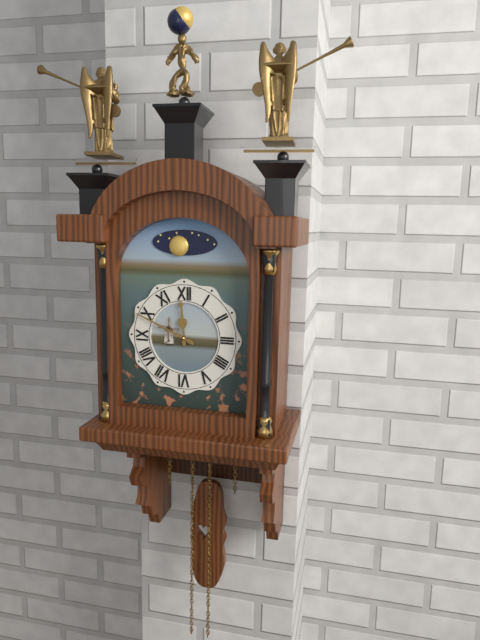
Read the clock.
11:49
